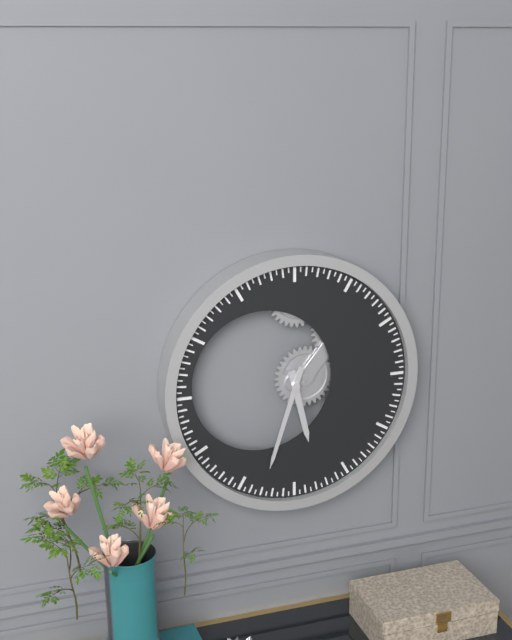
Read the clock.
5:33
